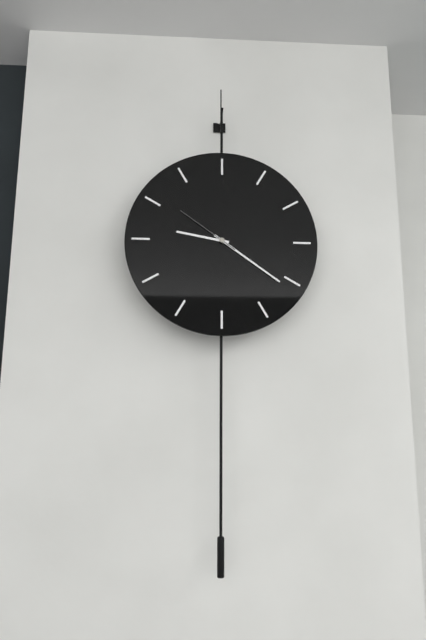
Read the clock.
9:21:51
